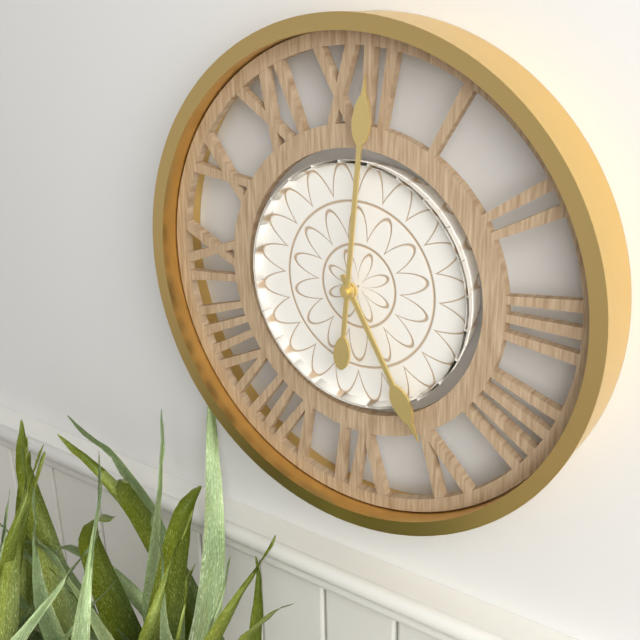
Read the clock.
5:01
